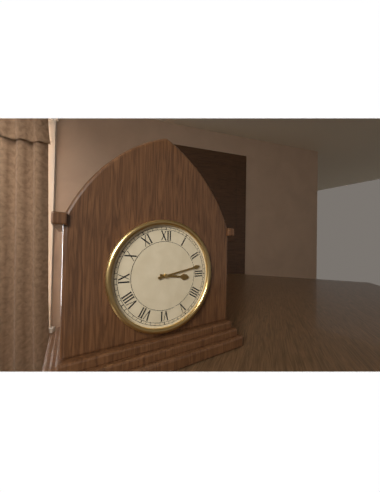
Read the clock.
3:13
